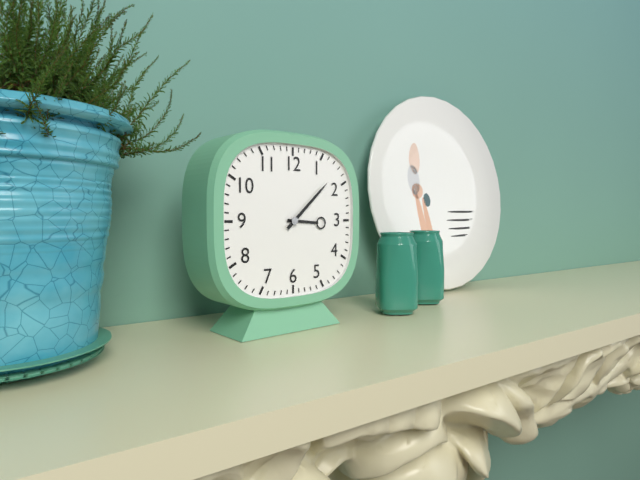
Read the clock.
3:08
